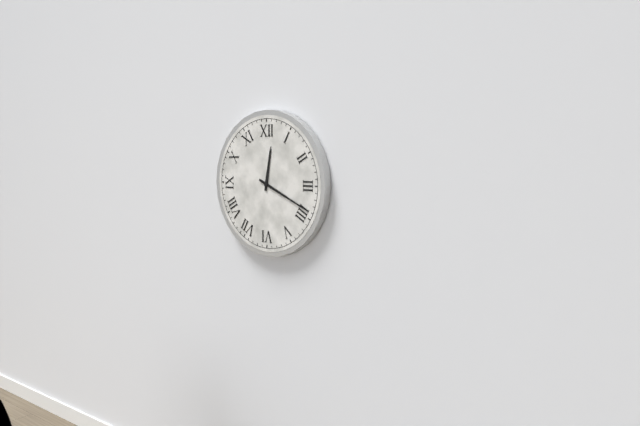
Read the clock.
12:19
